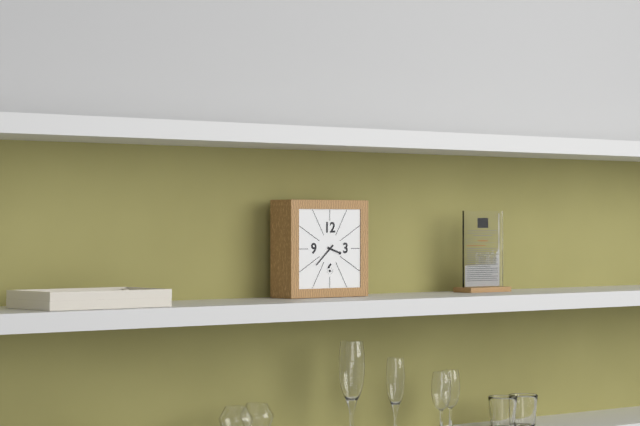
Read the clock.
3:38
